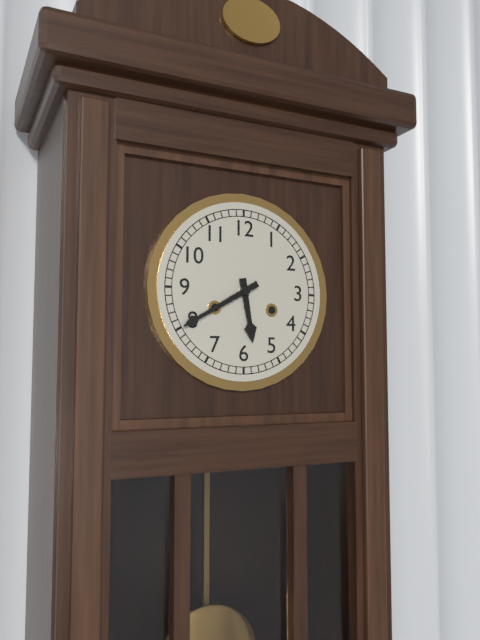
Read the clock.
5:40
